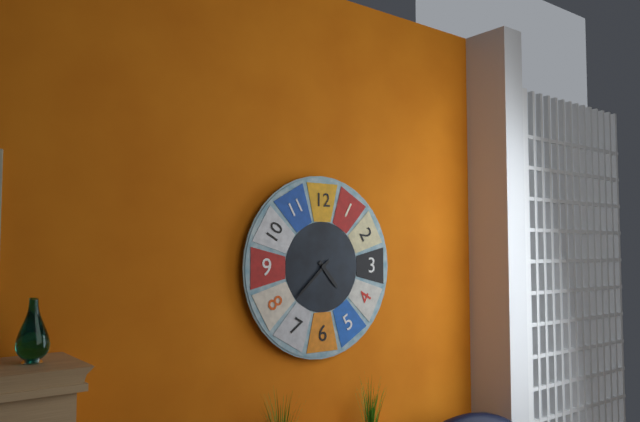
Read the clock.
4:38
